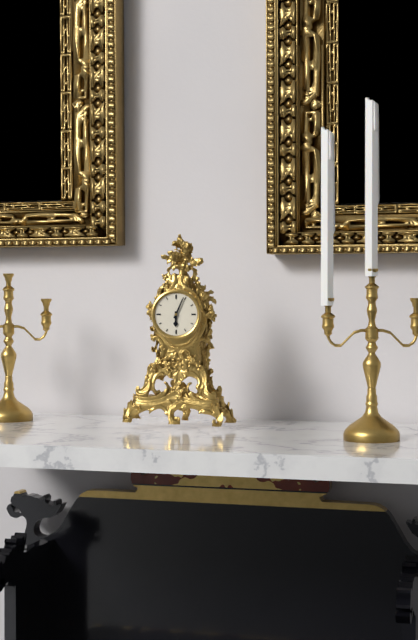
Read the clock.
6:04
